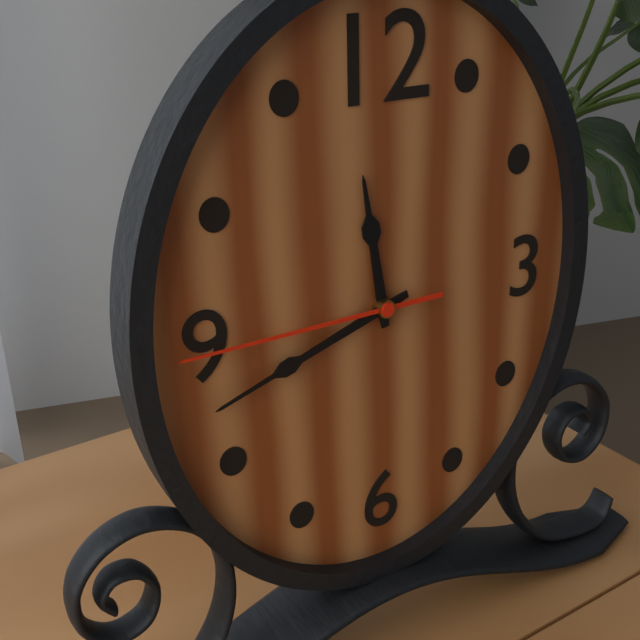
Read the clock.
11:42:45
